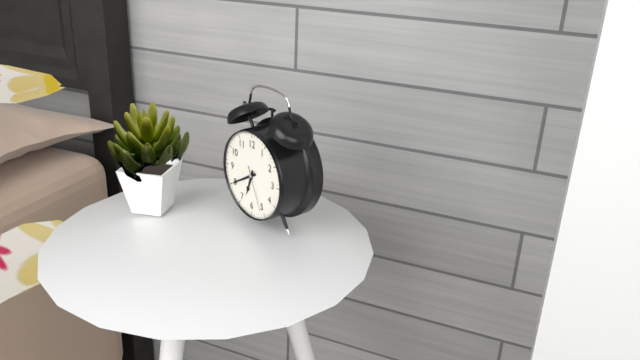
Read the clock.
6:40
